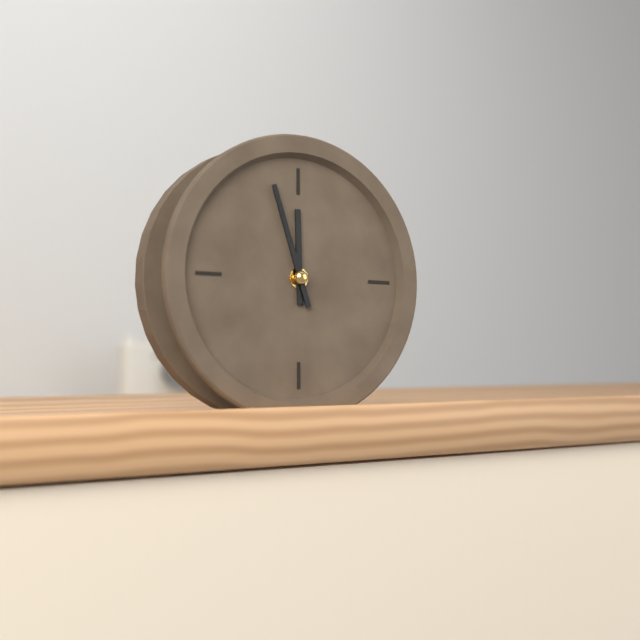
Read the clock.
11:57
